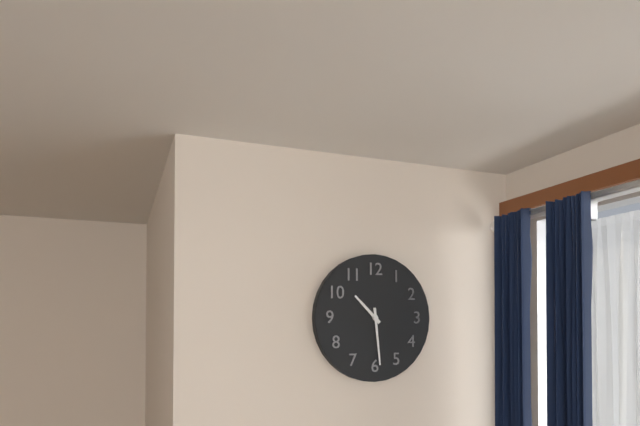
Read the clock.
10:29
